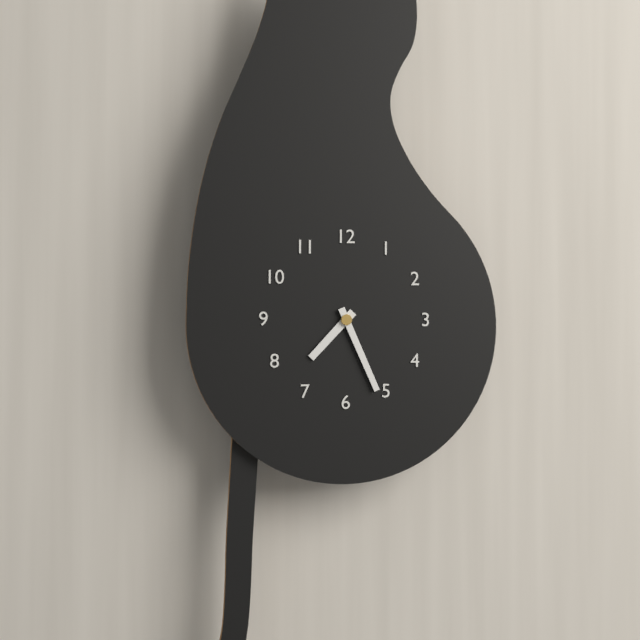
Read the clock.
7:26
